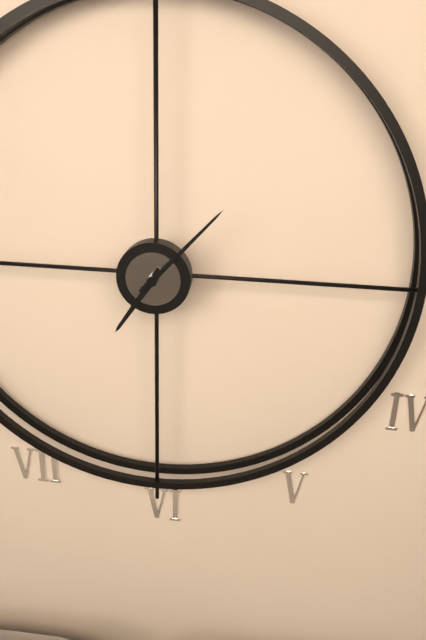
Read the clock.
7:07
